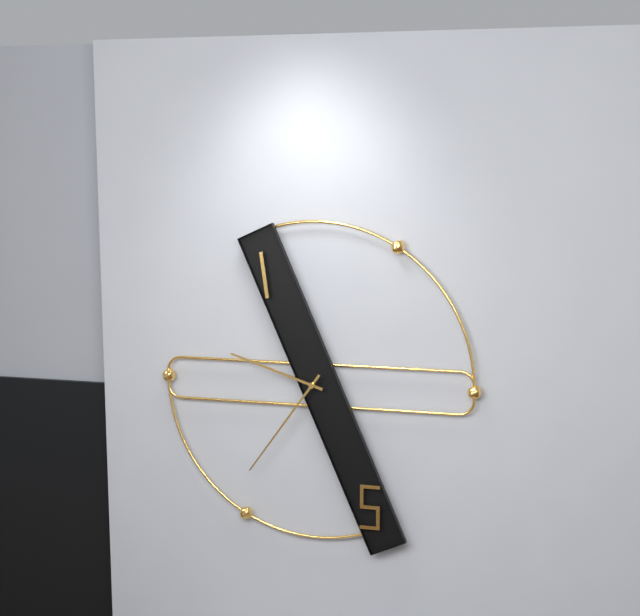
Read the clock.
9:36
